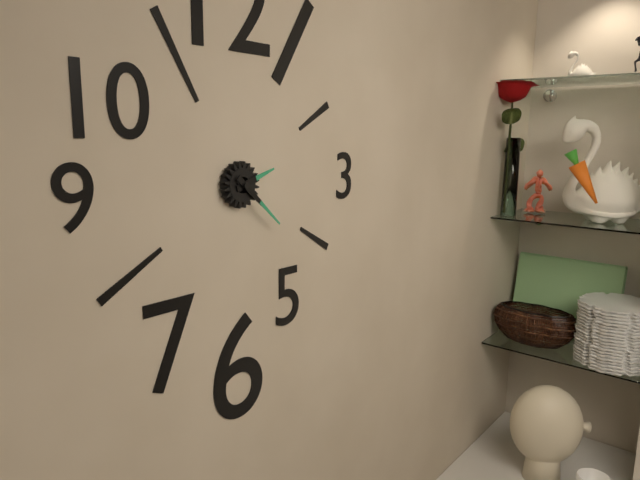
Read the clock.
2:22
